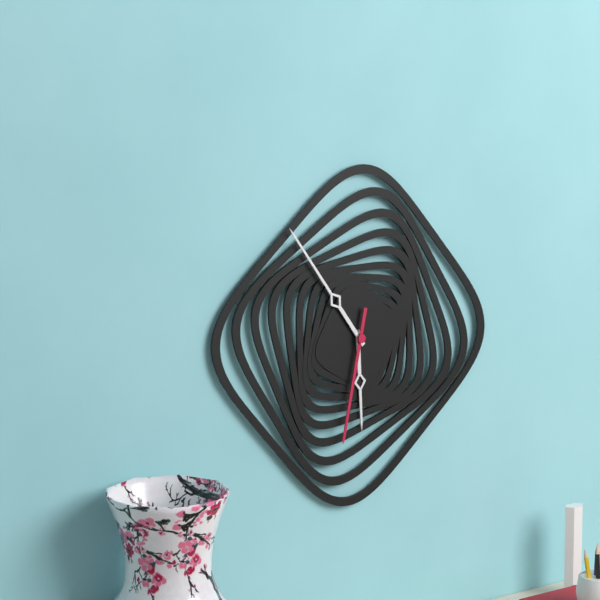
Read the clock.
5:54:32
